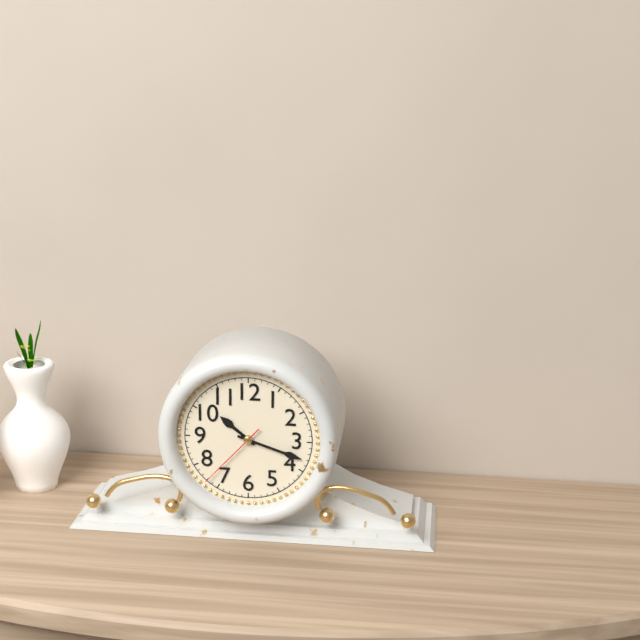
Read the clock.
10:18:37
